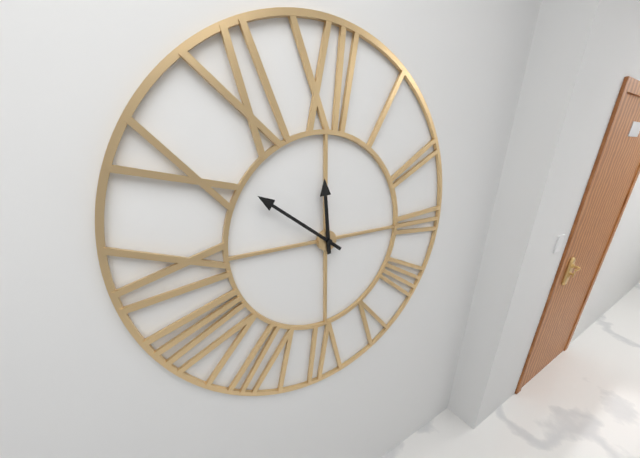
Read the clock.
11:51
